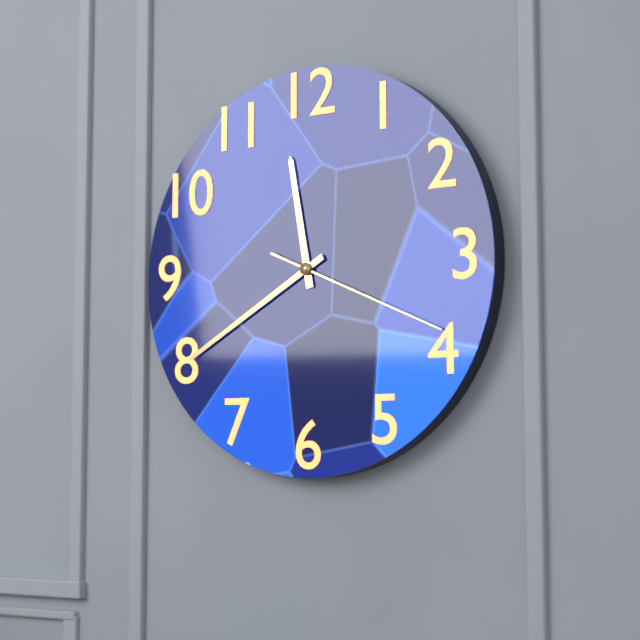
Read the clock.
11:40:19
